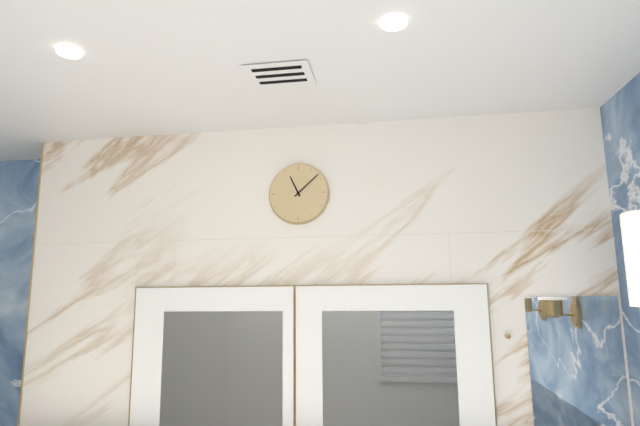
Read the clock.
11:08
